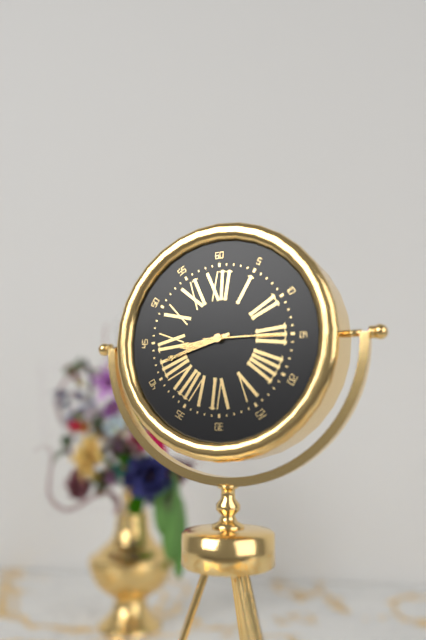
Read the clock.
8:42:15
